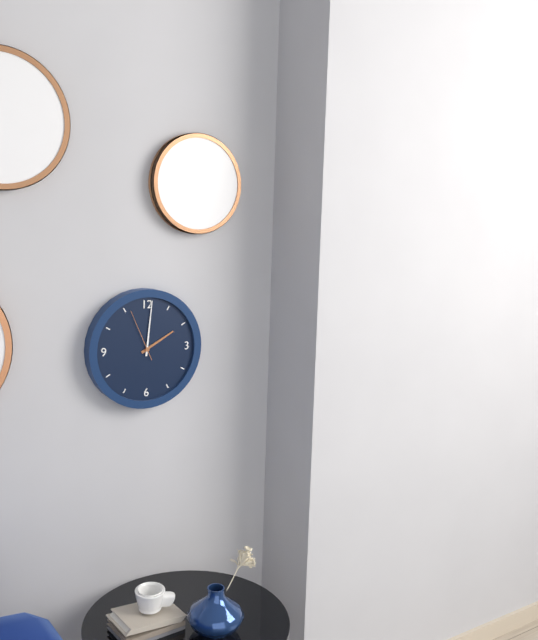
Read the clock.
2:01:56
